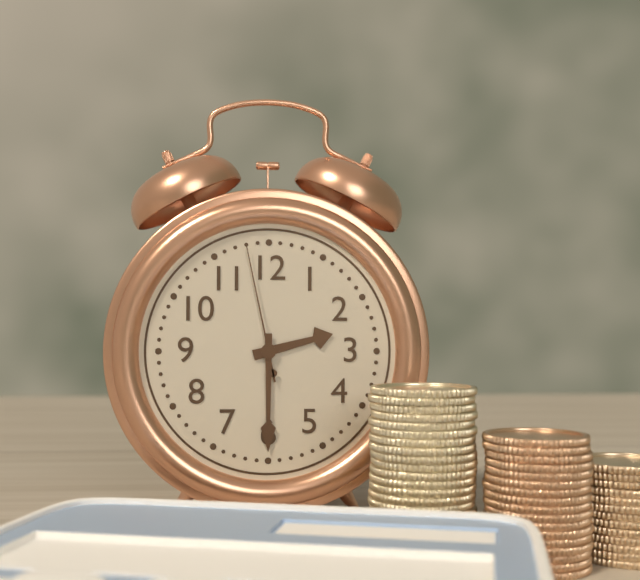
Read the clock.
2:30:58
